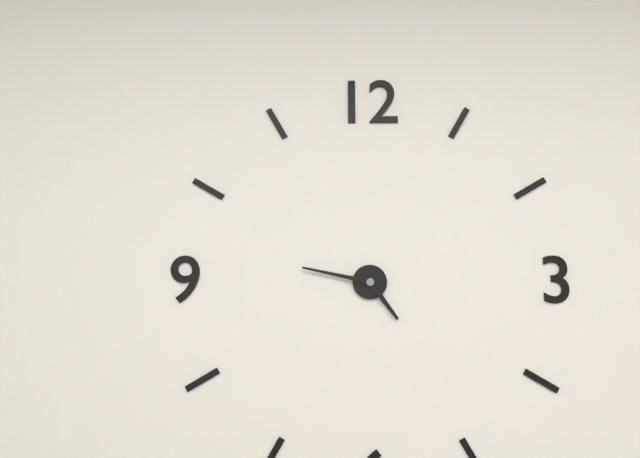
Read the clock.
4:47
